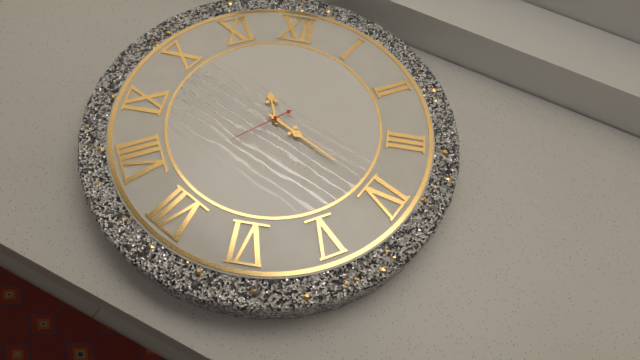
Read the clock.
11:20:38
